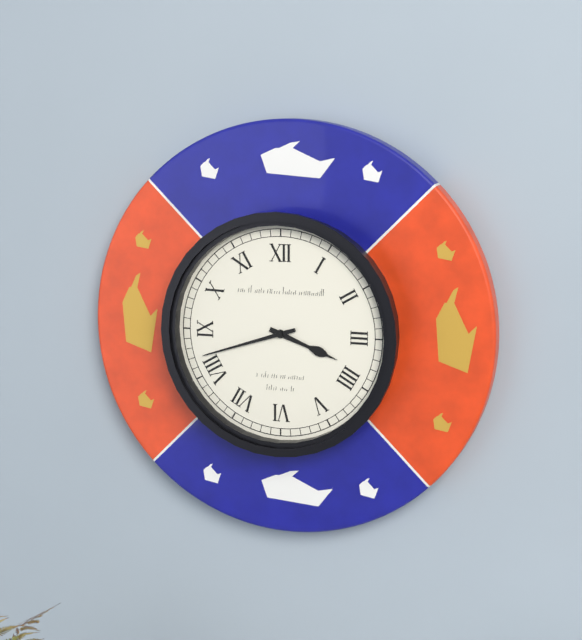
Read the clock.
3:42
